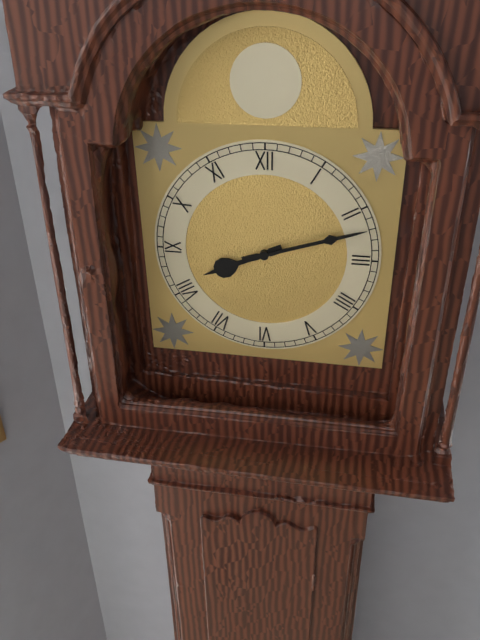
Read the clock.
8:12
